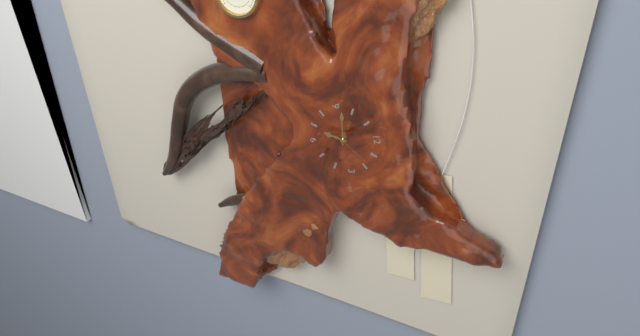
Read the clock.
6:47
